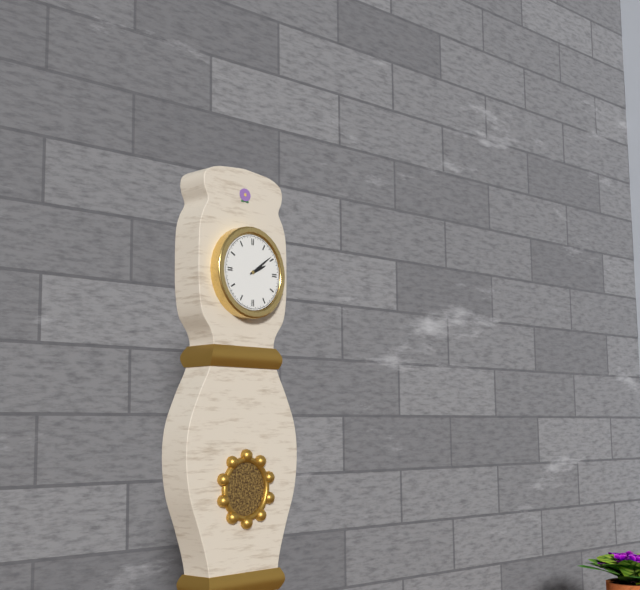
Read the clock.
2:09
